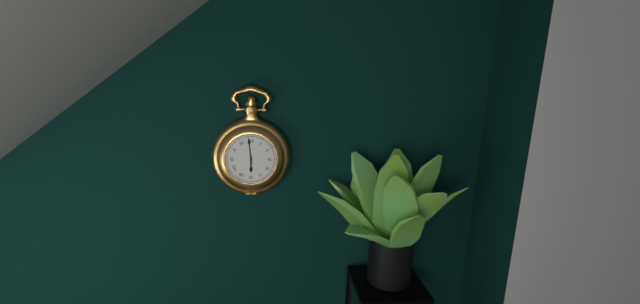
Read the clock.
5:59
